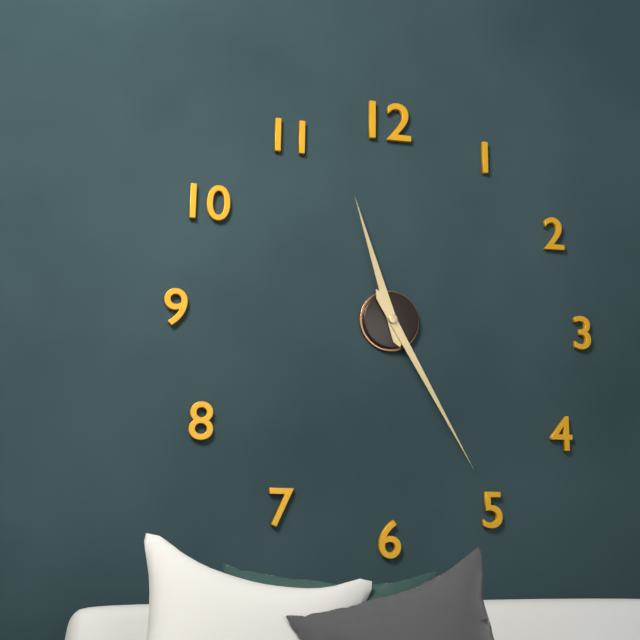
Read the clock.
11:25
